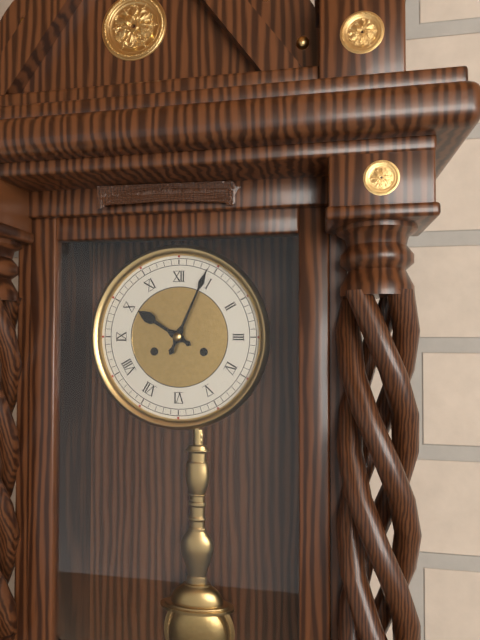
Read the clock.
10:04
